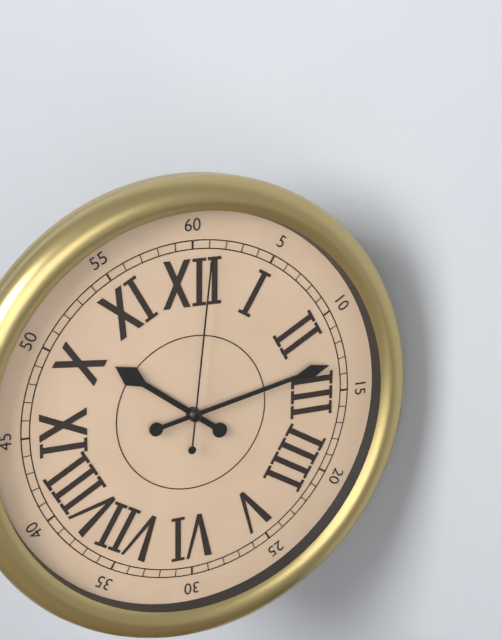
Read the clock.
10:13:01
